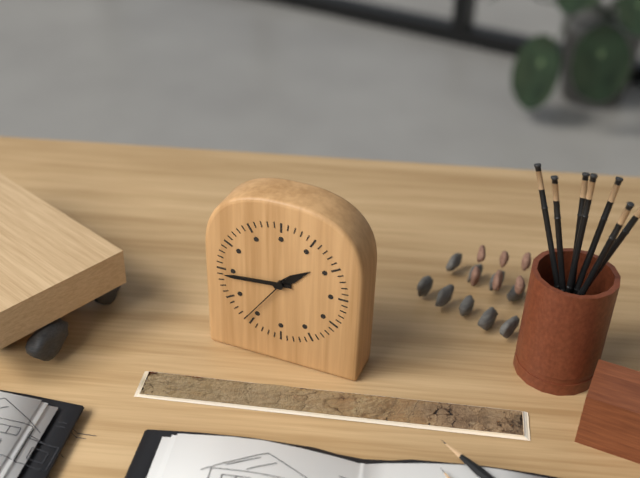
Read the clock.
1:44:36
